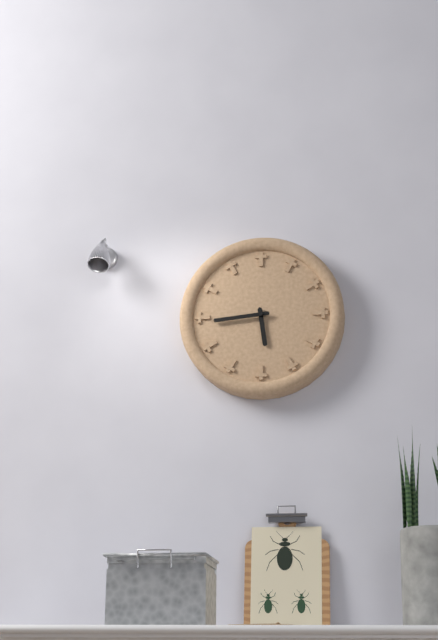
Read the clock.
5:44
